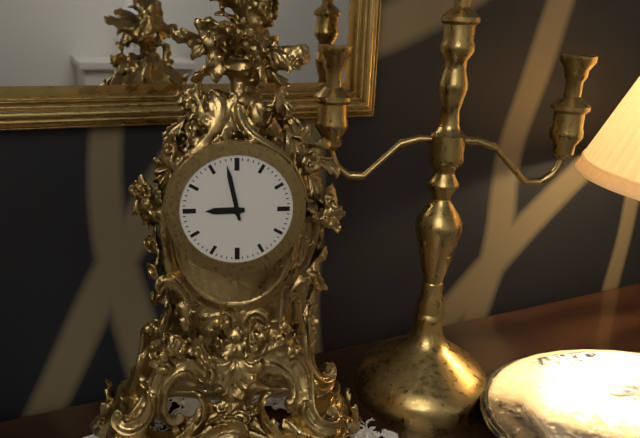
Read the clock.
8:58
